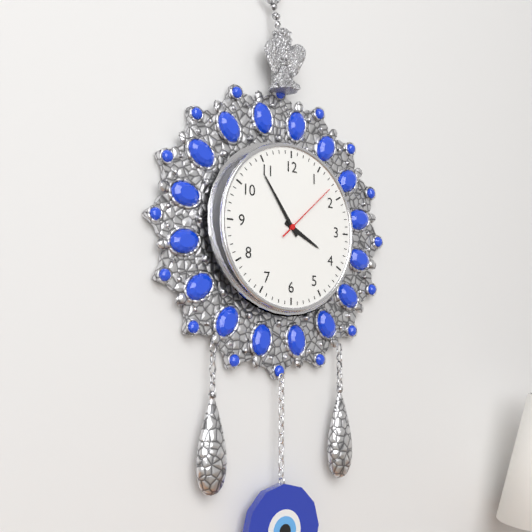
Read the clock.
3:54:08
